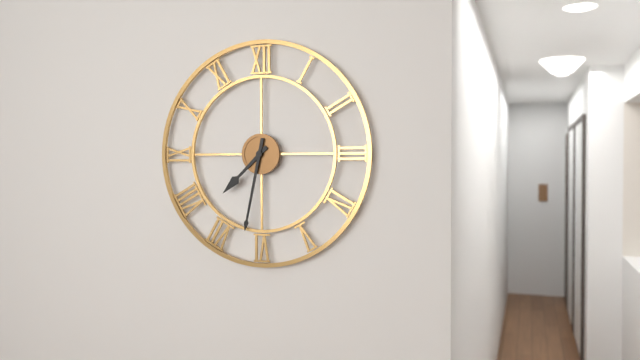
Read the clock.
7:32
